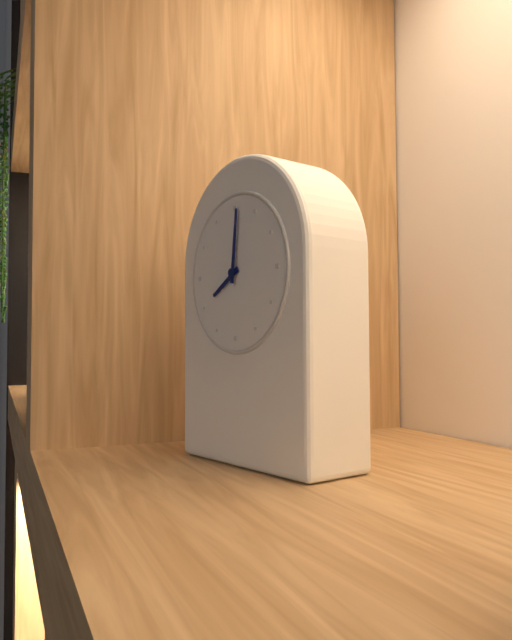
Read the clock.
8:01
